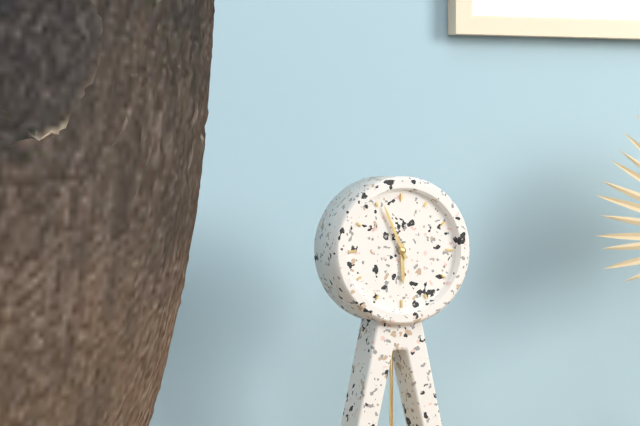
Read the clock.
5:56
